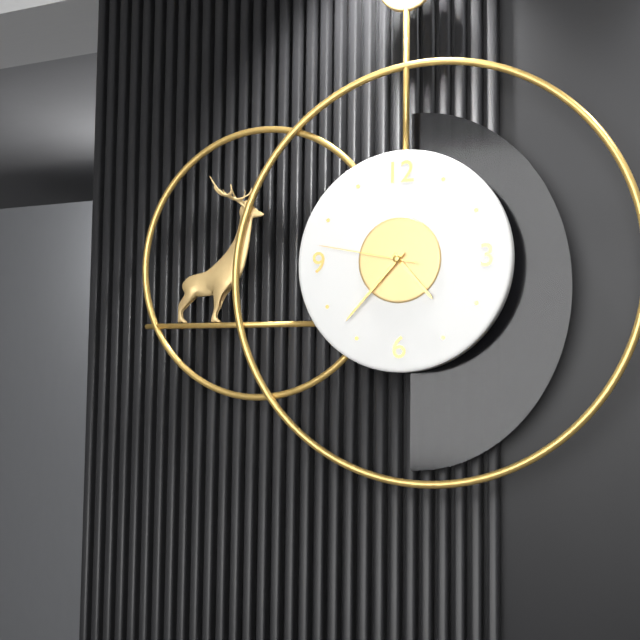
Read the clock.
4:37:47
